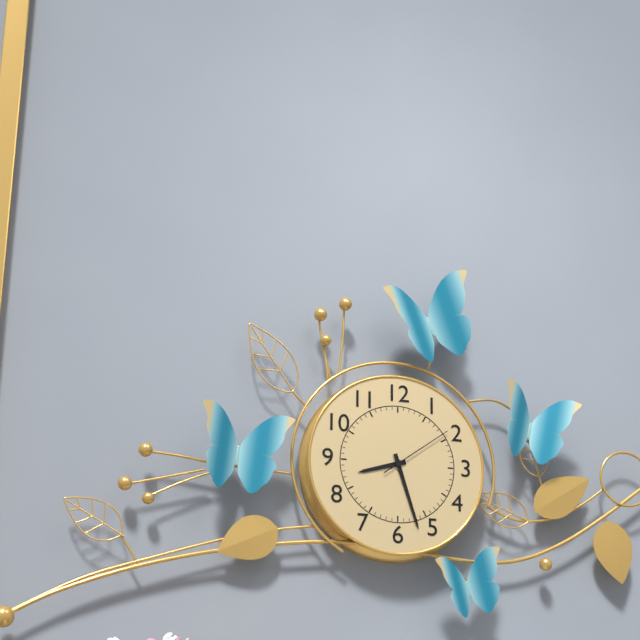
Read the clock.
8:27:09
